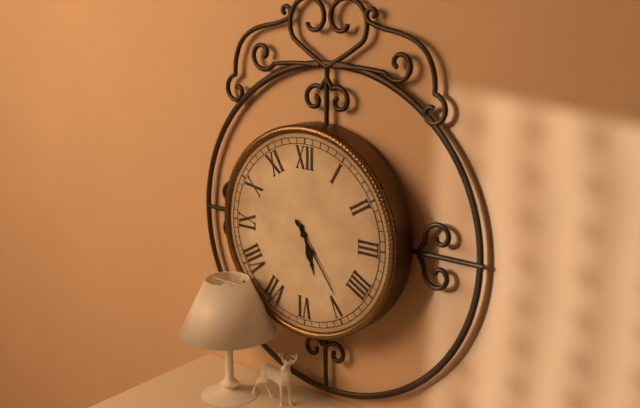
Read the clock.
5:24
